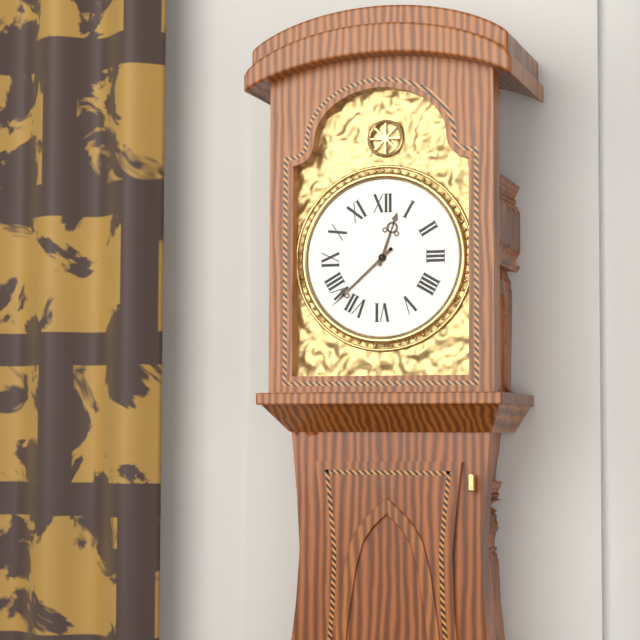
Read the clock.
12:38
